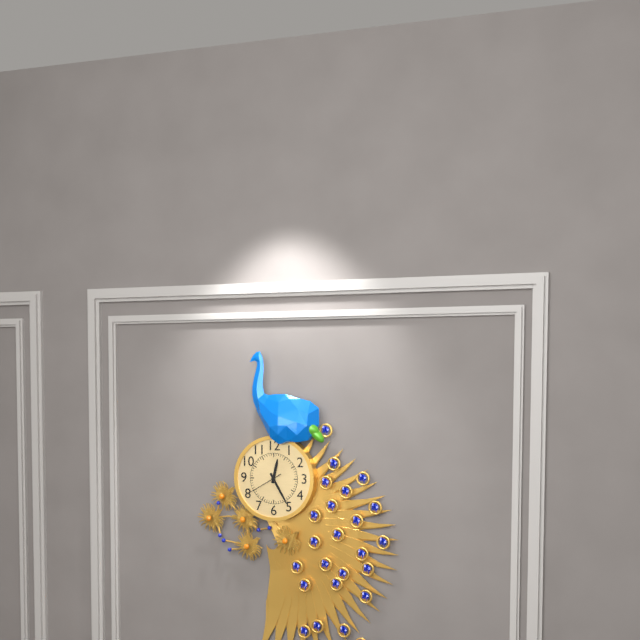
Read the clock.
12:25
